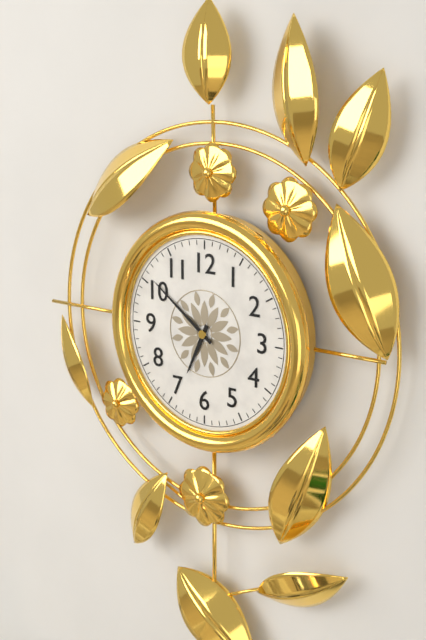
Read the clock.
6:51
